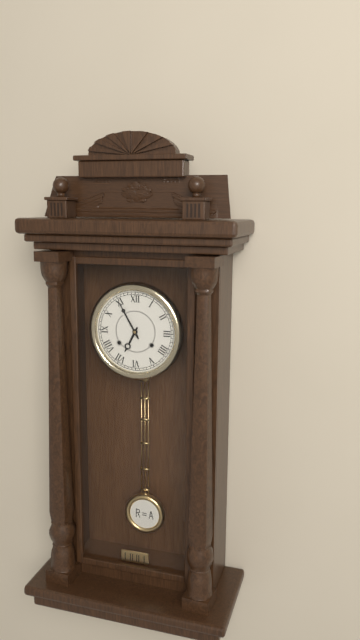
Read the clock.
6:55
